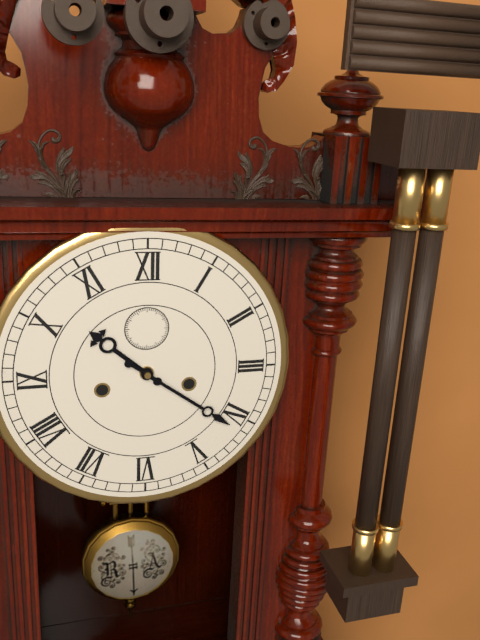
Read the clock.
10:21
